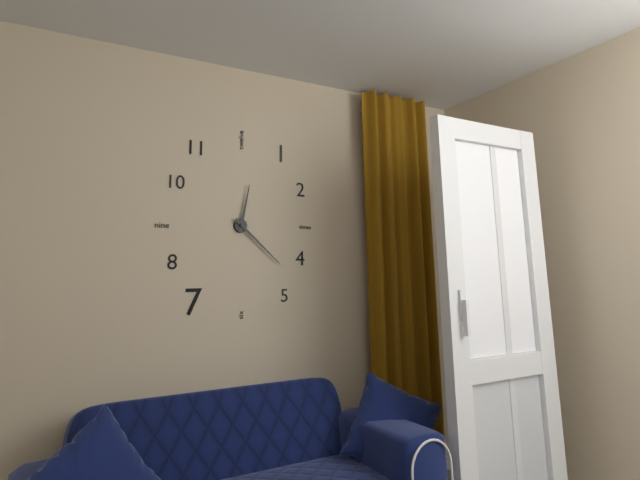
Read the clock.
12:22
